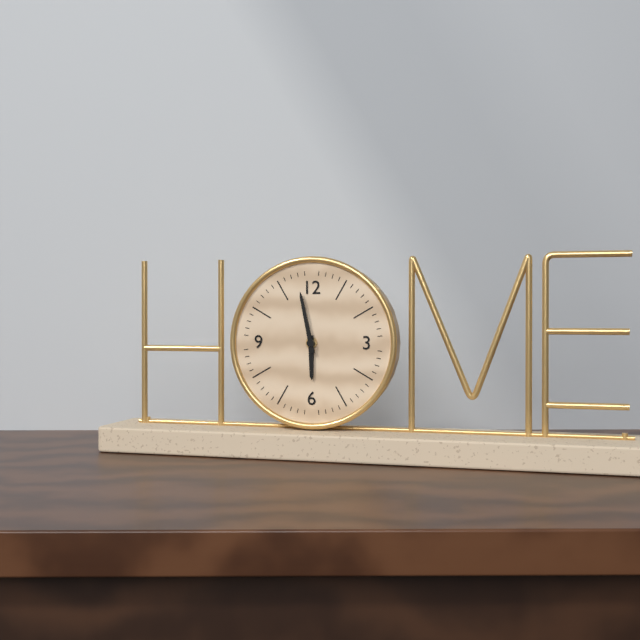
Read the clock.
5:58
